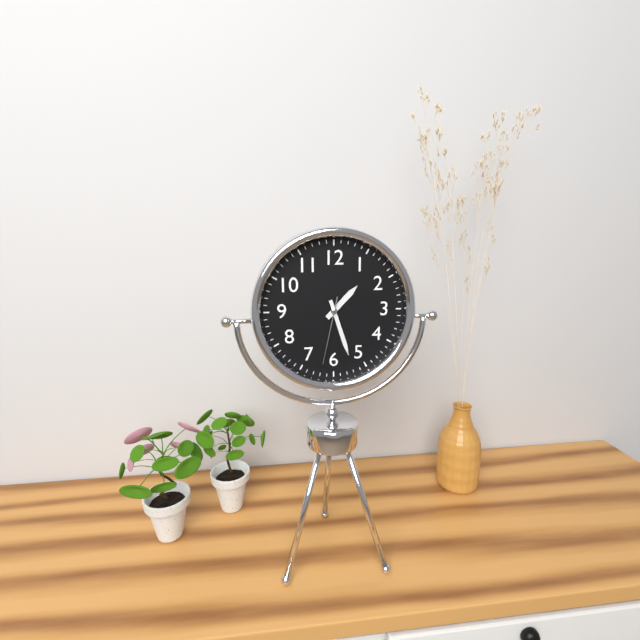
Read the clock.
1:27:32
